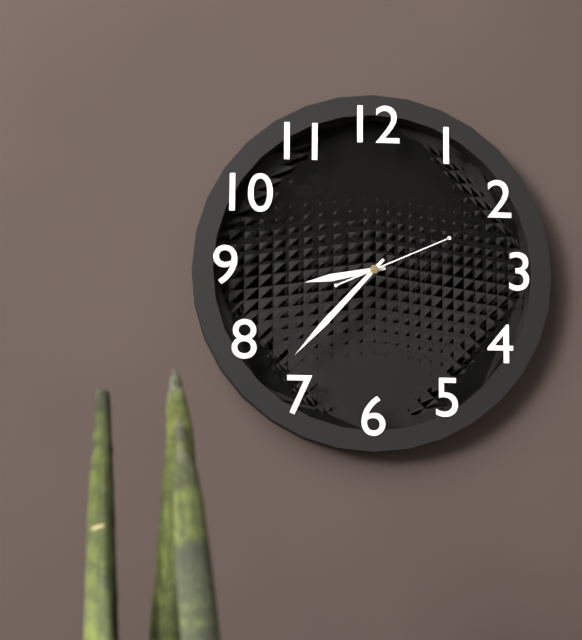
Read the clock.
8:37:11
